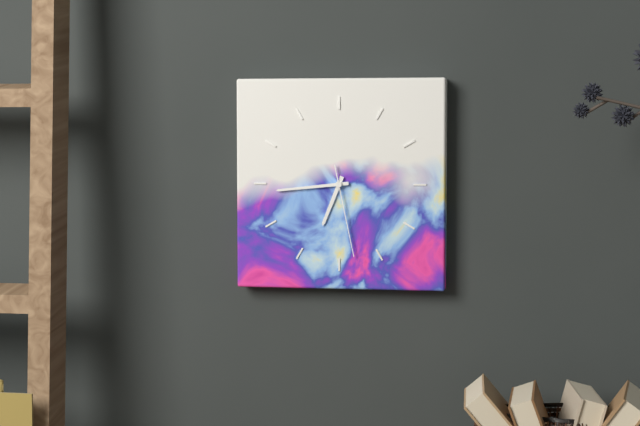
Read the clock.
6:44:28
